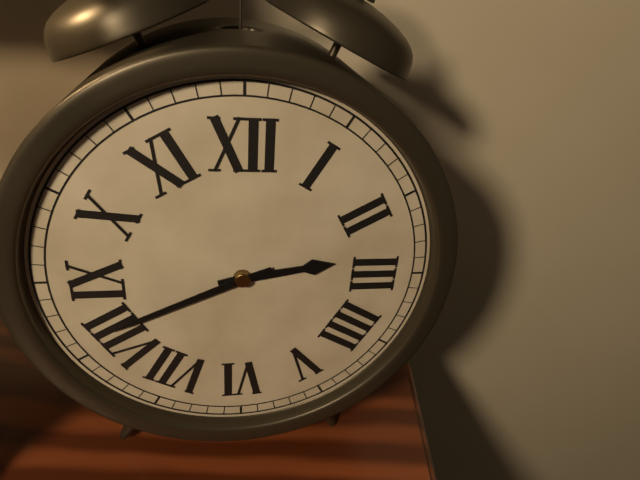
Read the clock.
2:41
